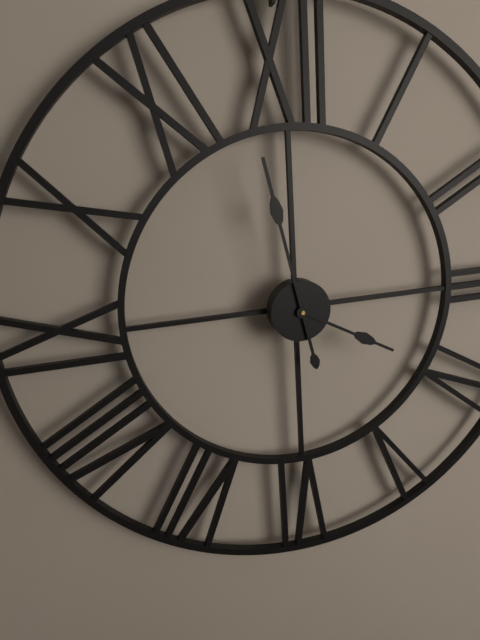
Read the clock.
3:58
